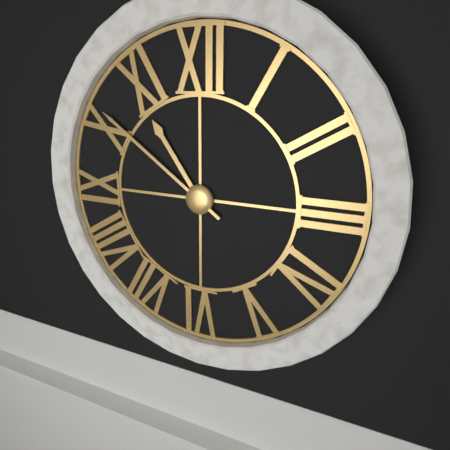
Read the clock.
10:51
